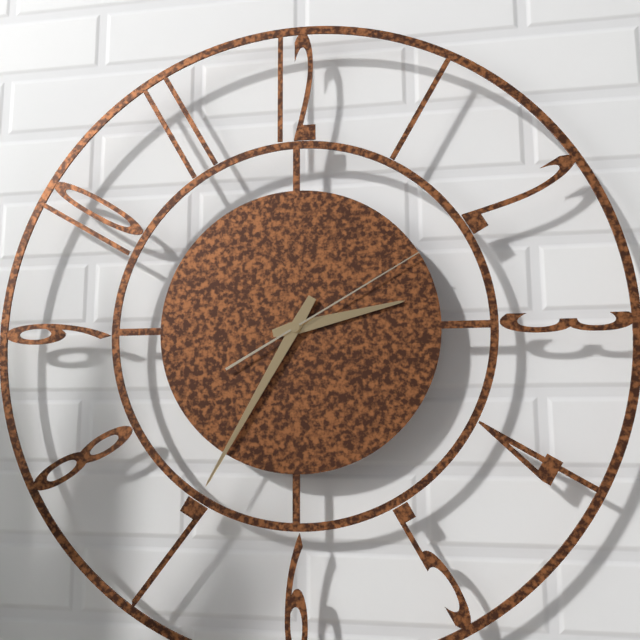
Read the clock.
2:35:10
